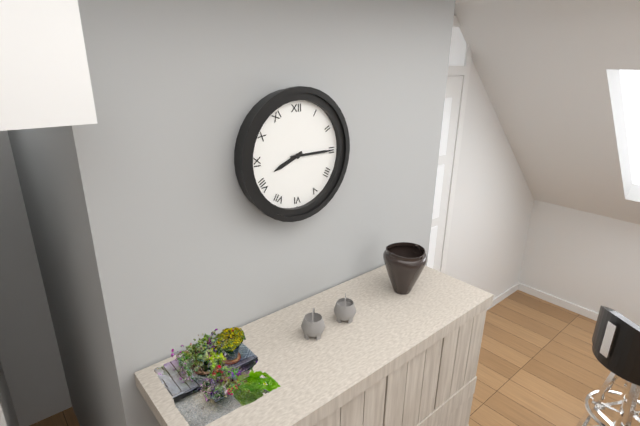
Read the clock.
8:15
